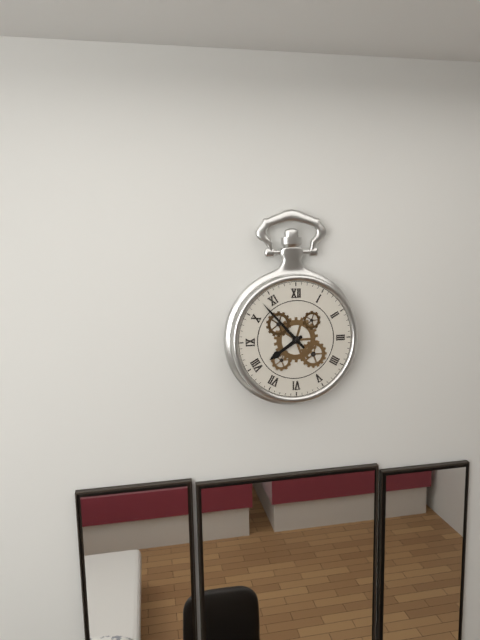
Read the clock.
7:53
